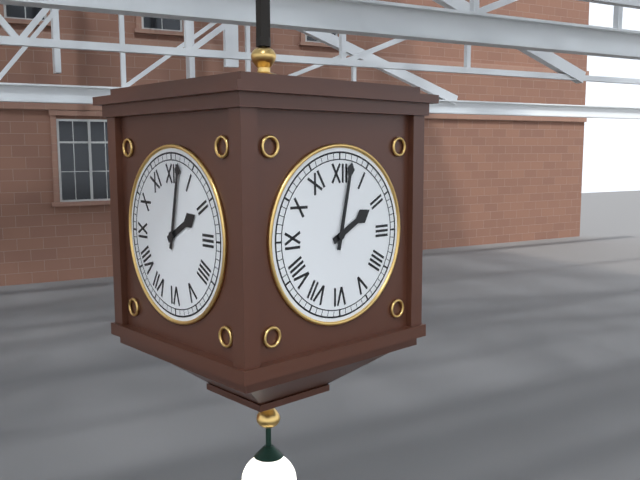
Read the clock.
2:02
